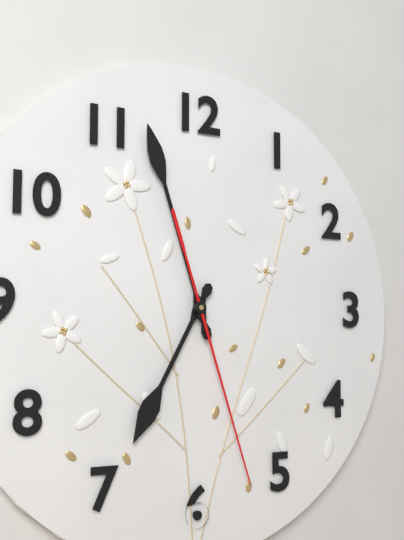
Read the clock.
6:57:27
